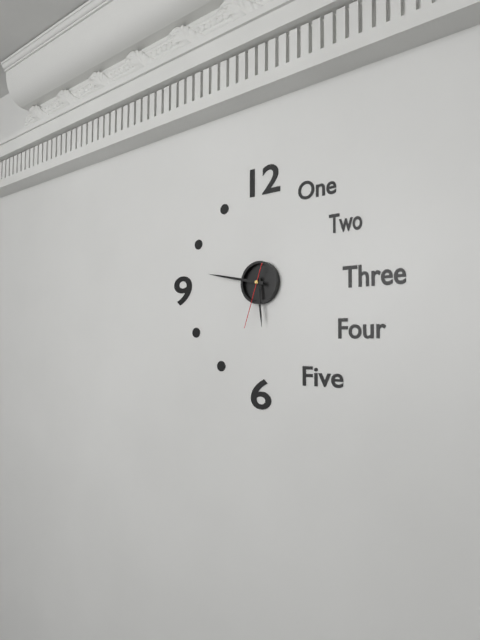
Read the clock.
5:47:33
